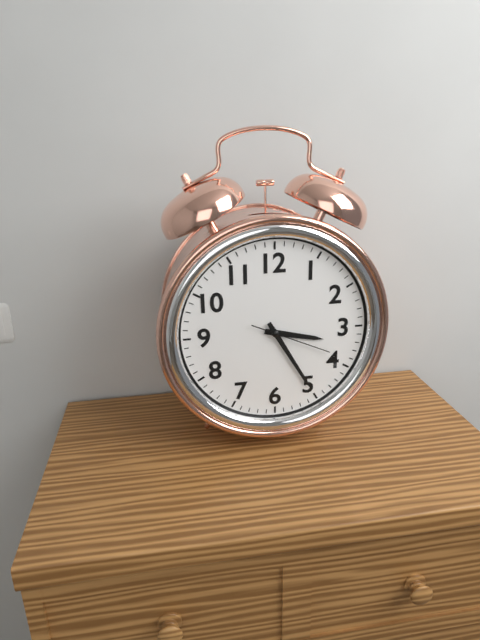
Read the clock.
3:25:19
